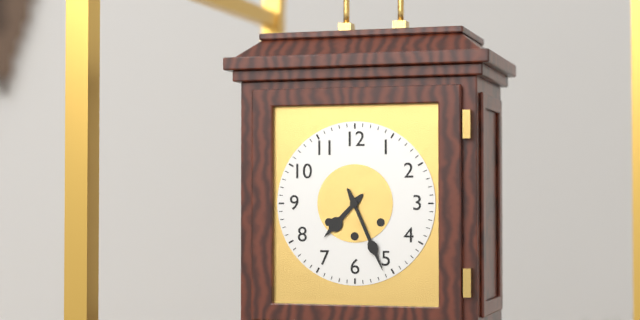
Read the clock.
7:26
